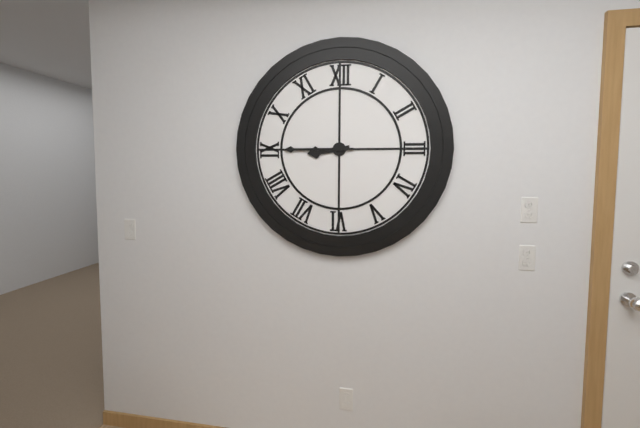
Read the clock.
8:45
